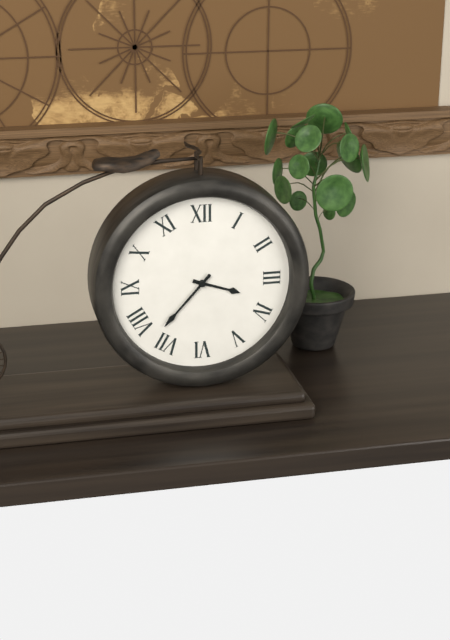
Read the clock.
3:37
